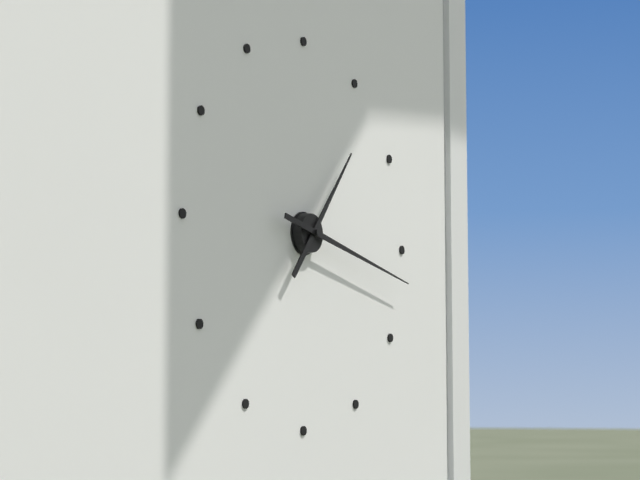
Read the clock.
1:17
